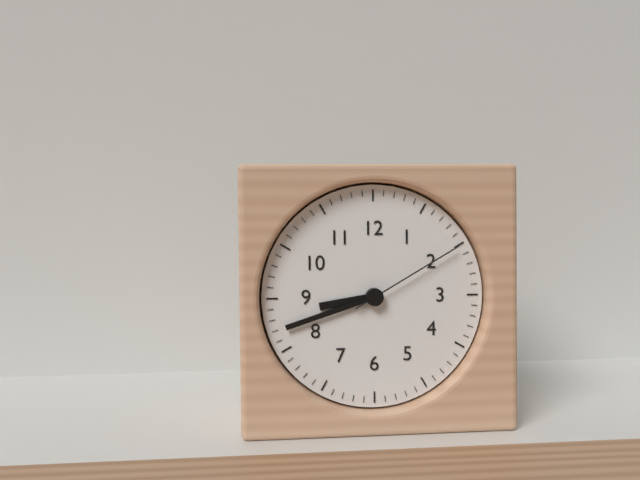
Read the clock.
8:42:10
